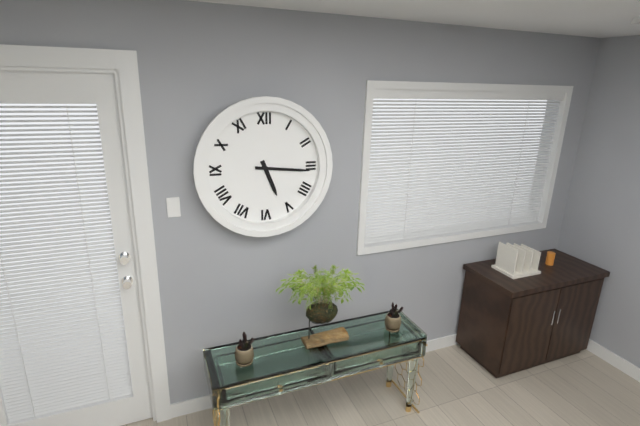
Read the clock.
5:16
